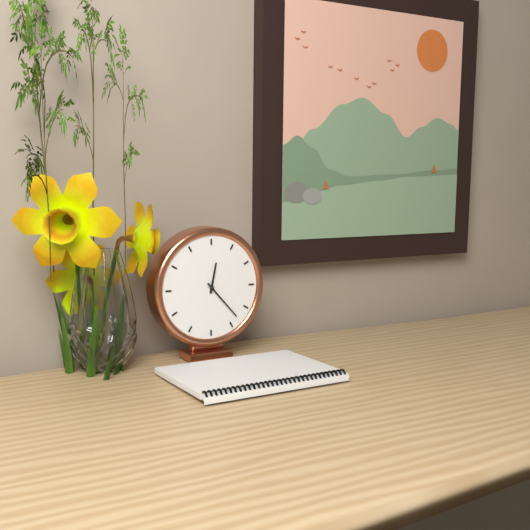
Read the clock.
12:23
